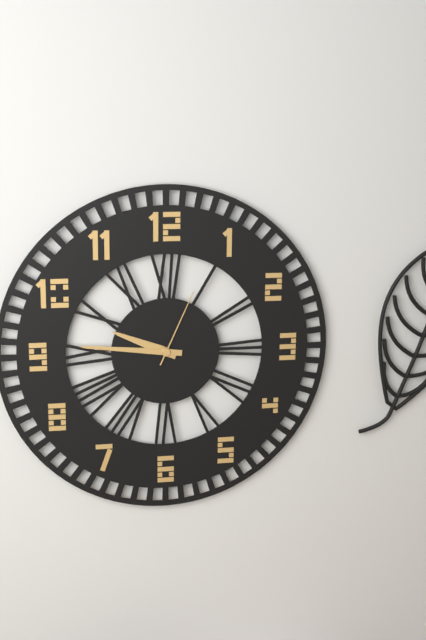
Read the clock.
9:46:04
